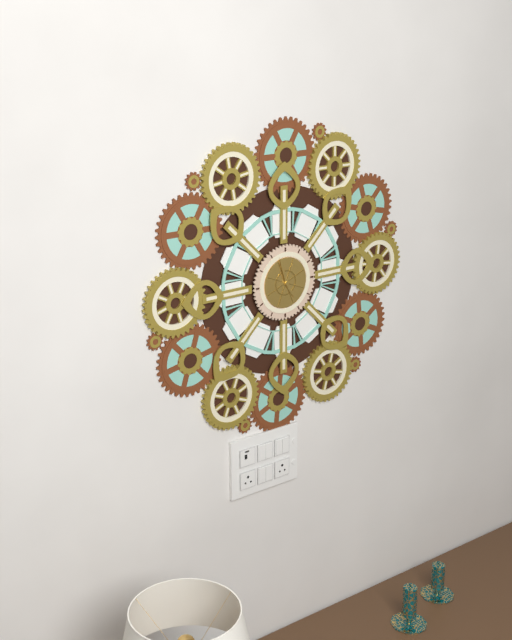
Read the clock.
4:57
